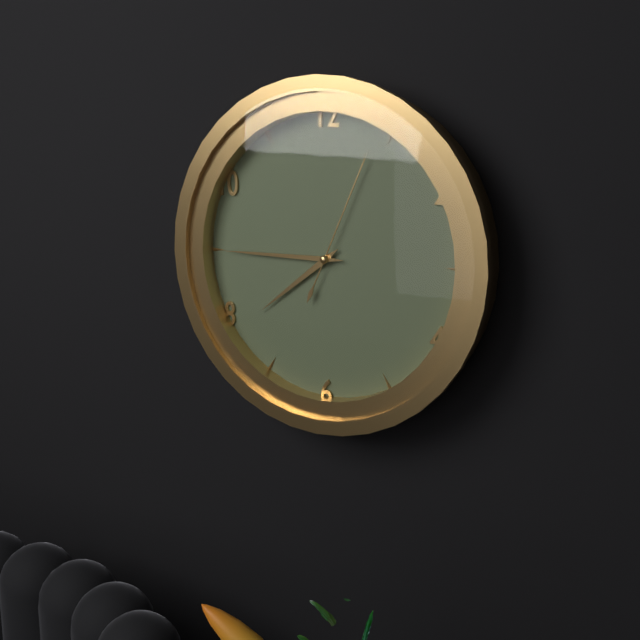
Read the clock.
7:45:04
